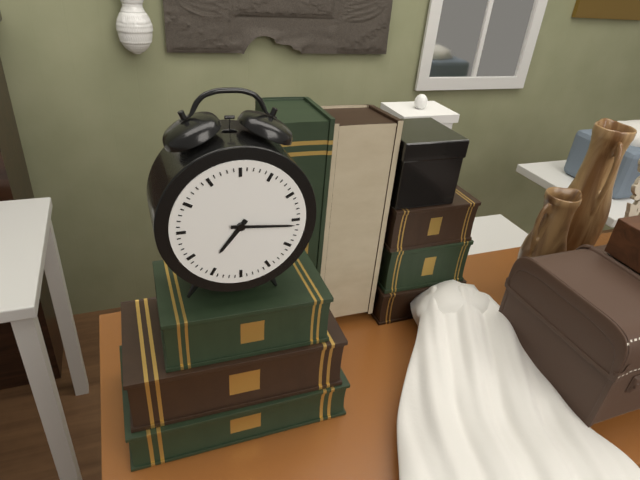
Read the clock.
7:16
